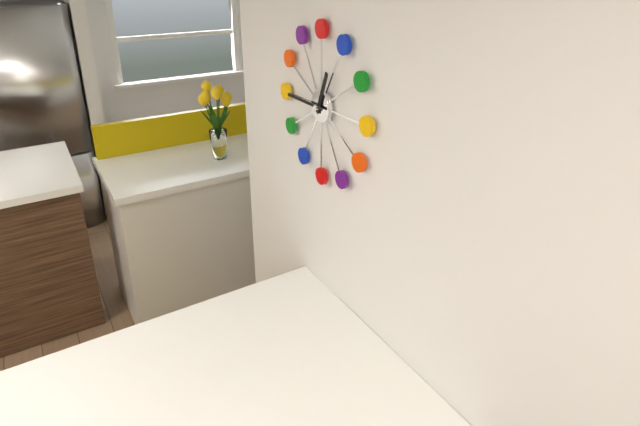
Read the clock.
12:45
